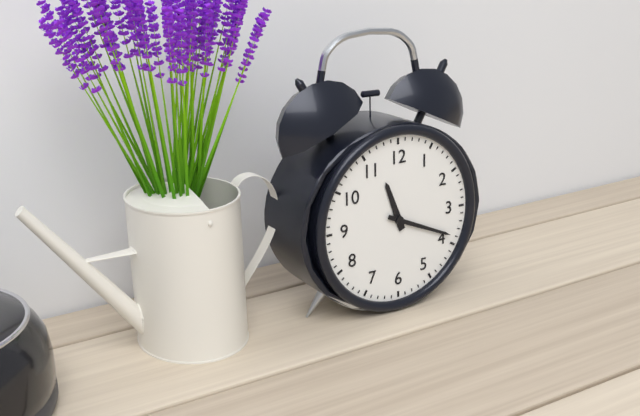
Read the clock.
11:19
